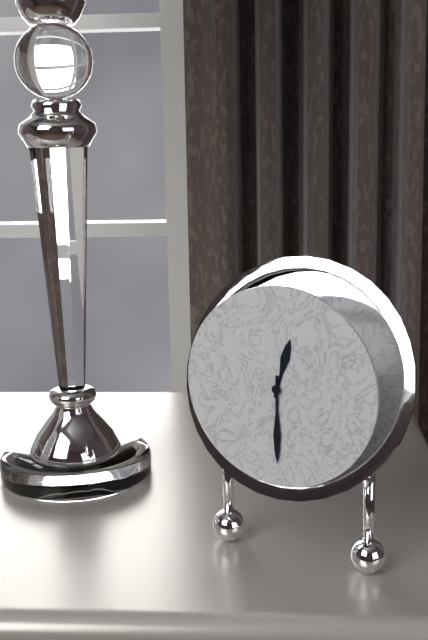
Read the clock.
12:30
